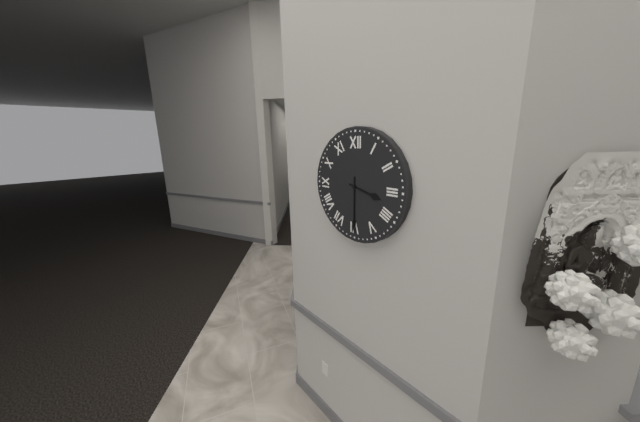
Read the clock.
3:30
